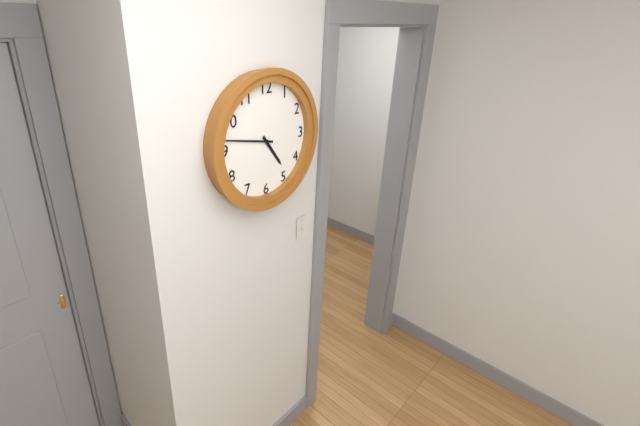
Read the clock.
4:47
